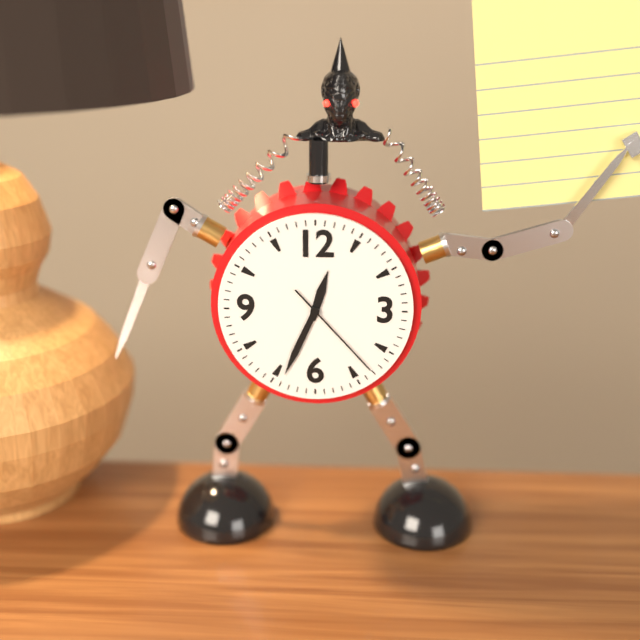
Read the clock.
12:34:23
